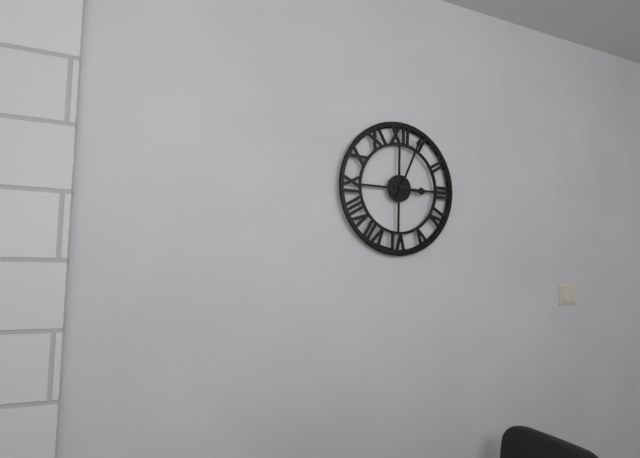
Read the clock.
3:04
